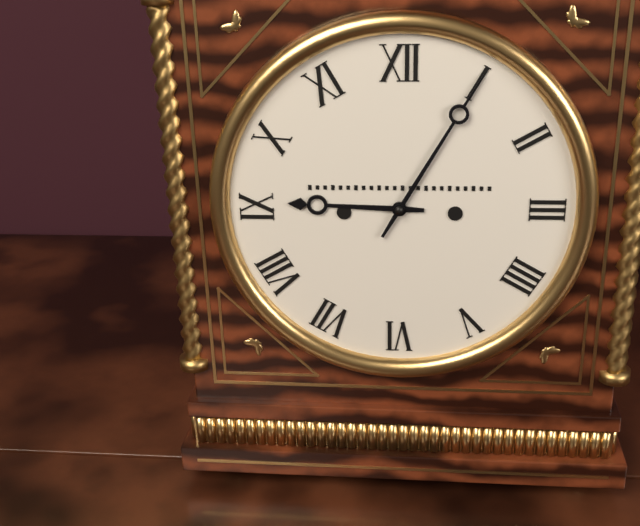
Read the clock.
9:05
